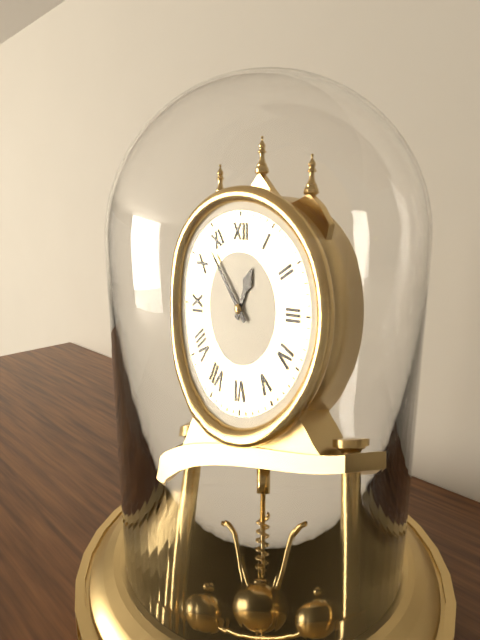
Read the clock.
12:53
